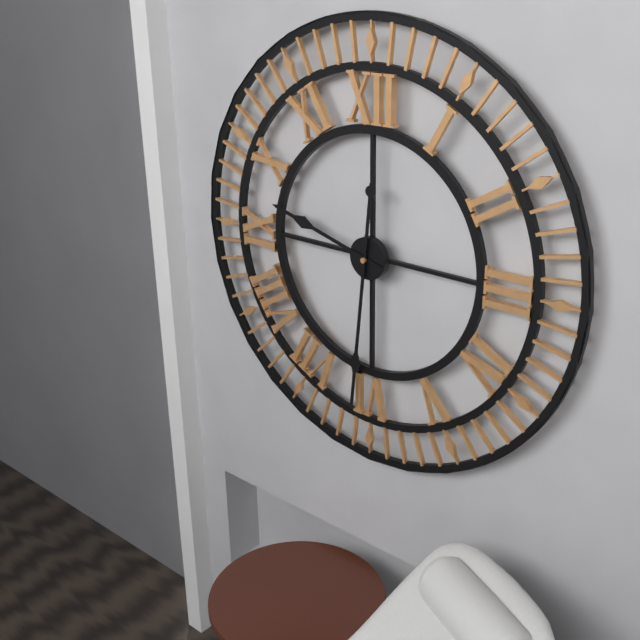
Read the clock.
9:31
